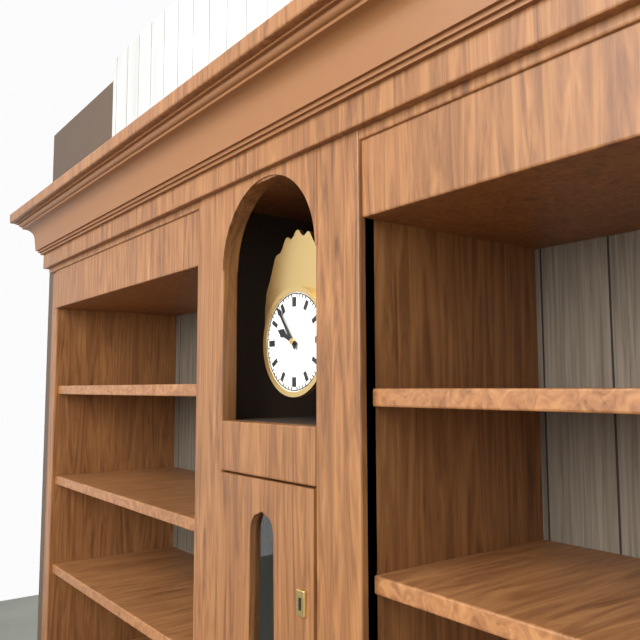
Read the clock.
9:54
